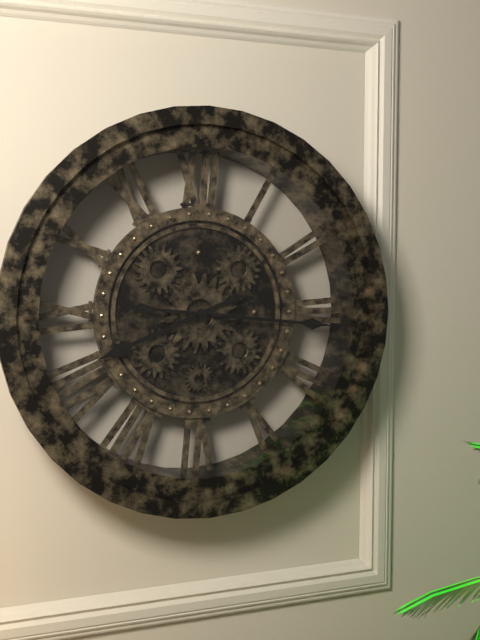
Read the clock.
8:16
